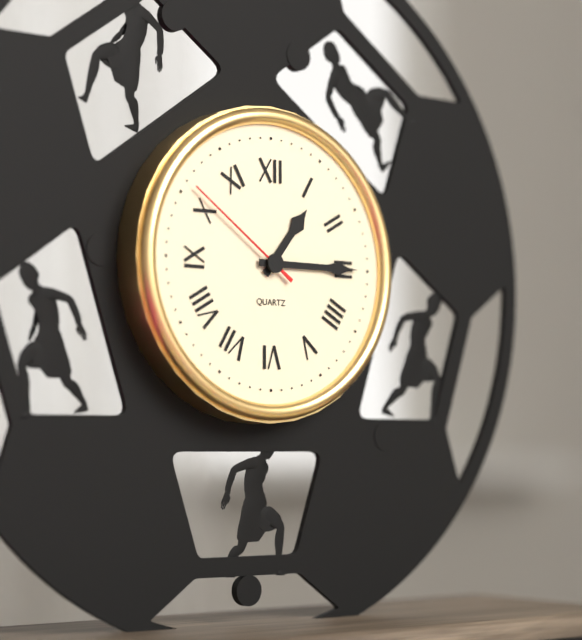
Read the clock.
1:15:51
